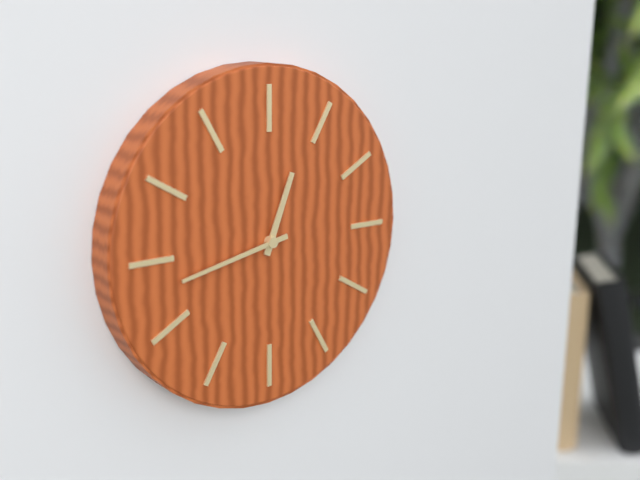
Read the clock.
12:43
